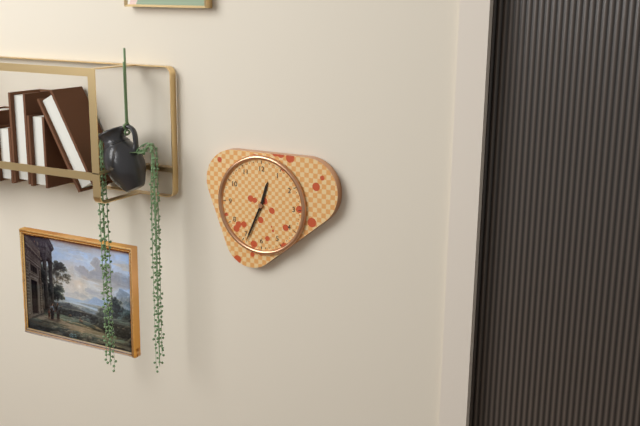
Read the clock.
12:34
